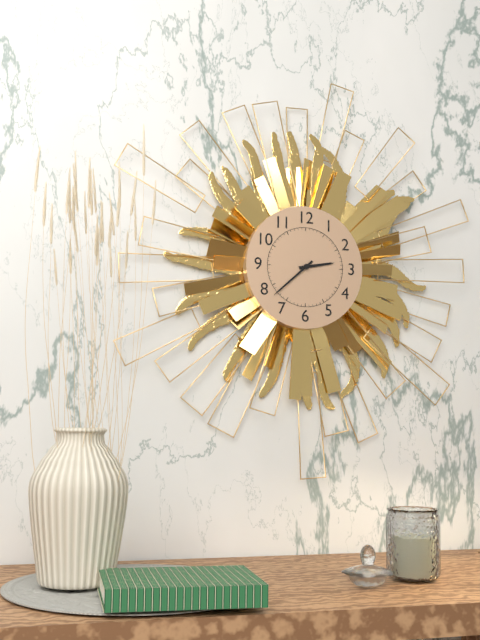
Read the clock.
2:38
